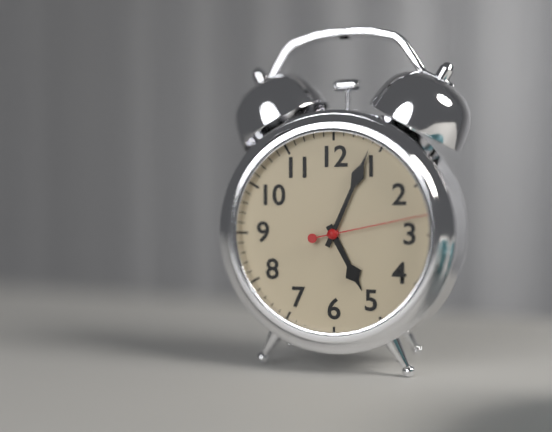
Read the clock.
5:04:13
